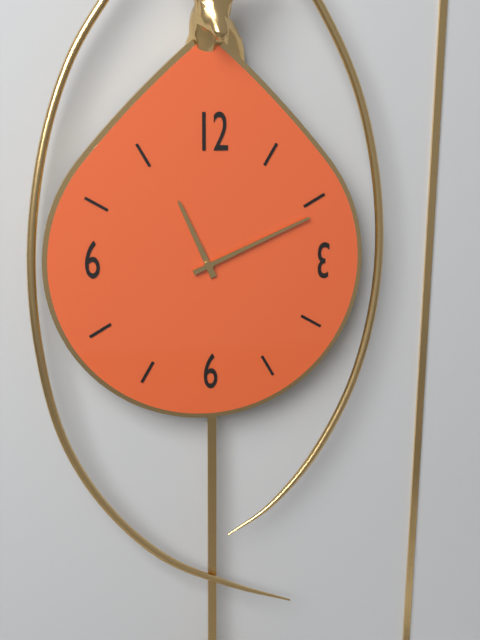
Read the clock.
11:11
